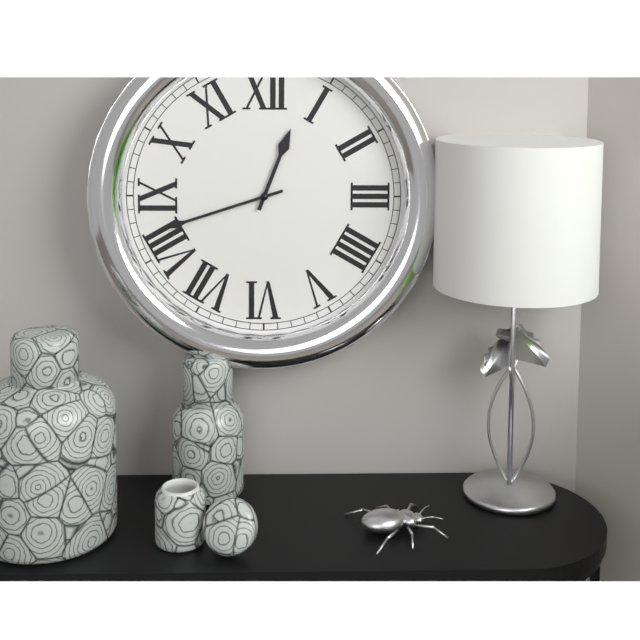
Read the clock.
12:42
